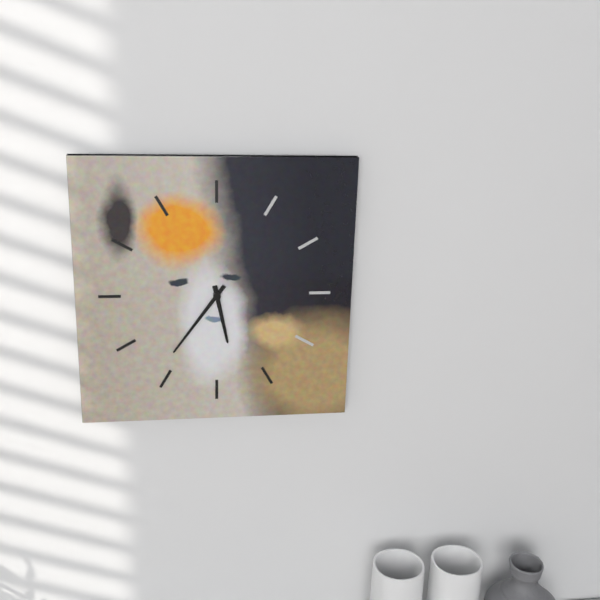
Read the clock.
5:36
